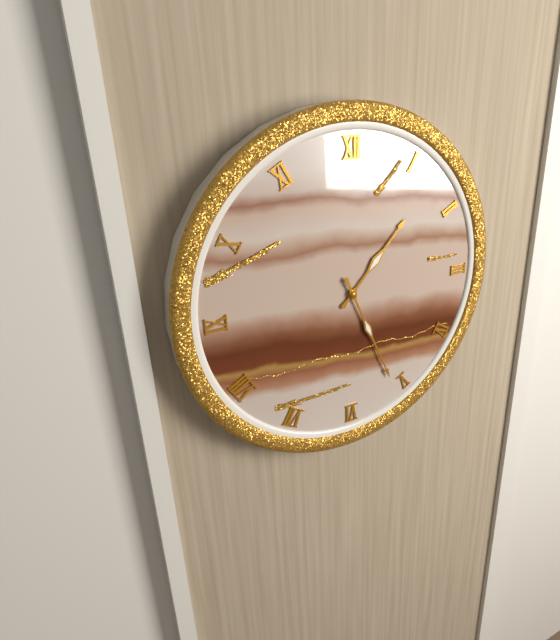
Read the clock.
1:26
